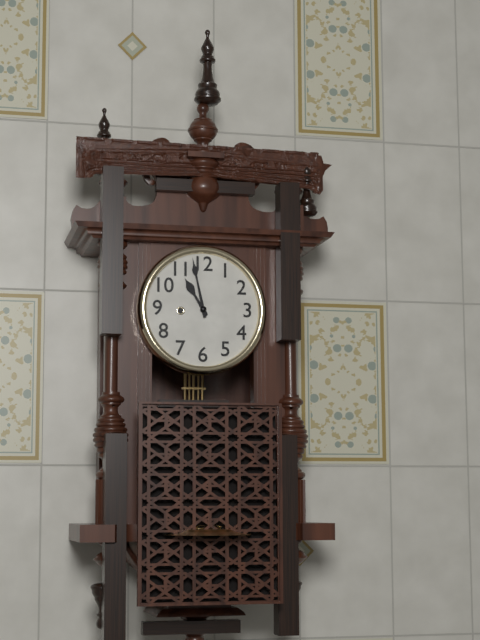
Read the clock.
10:58
